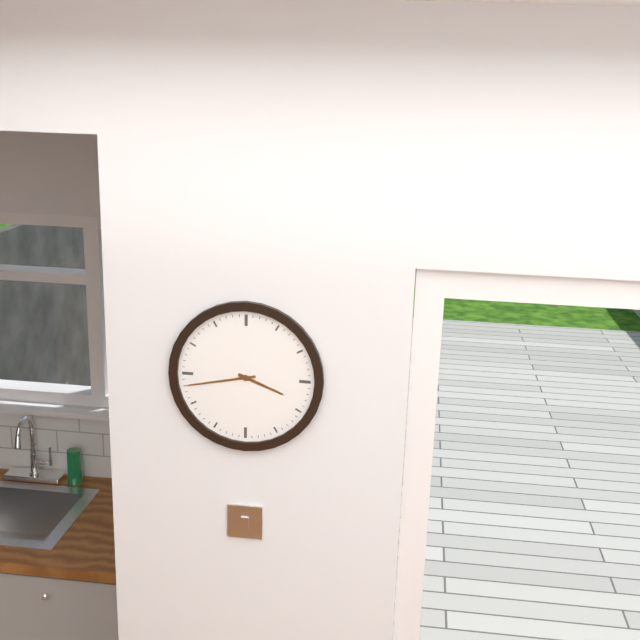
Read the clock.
3:43
